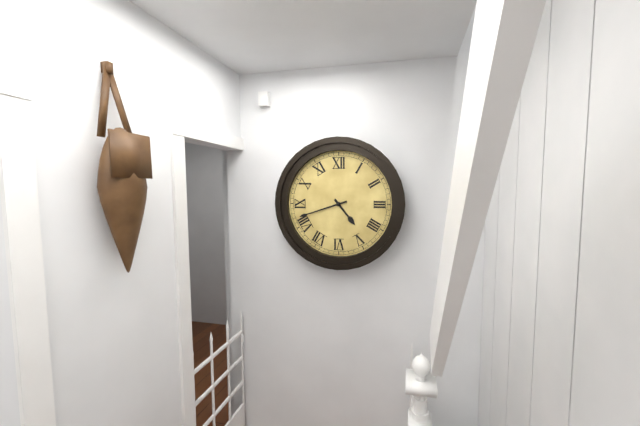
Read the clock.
4:42
